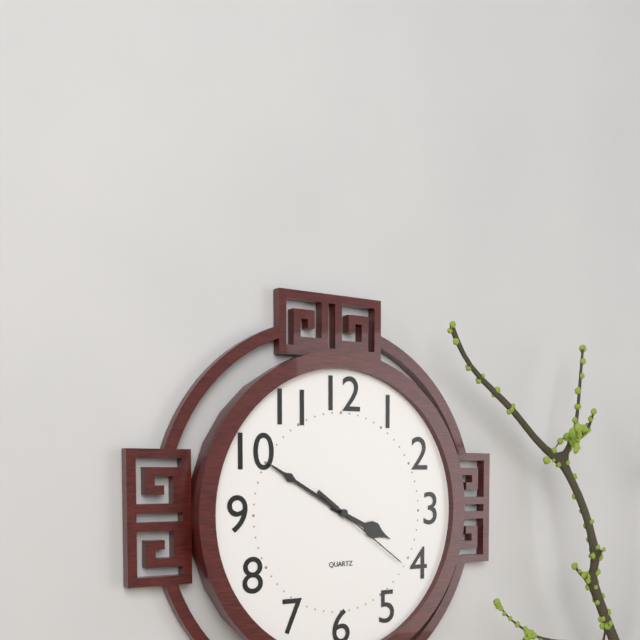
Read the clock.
3:50:21
